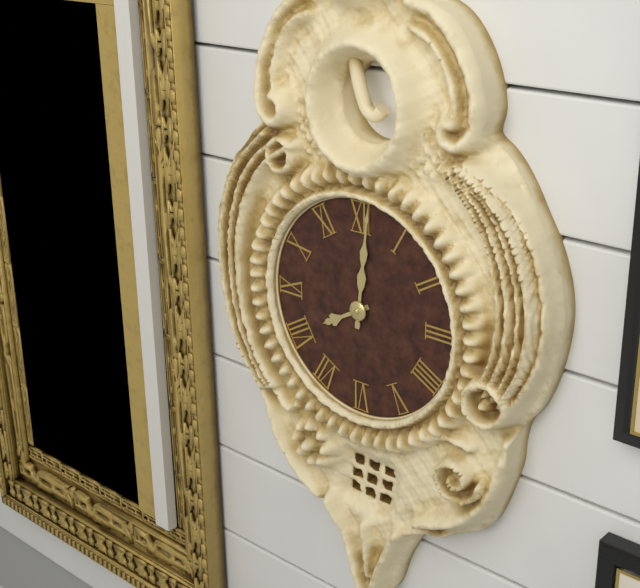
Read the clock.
8:01
